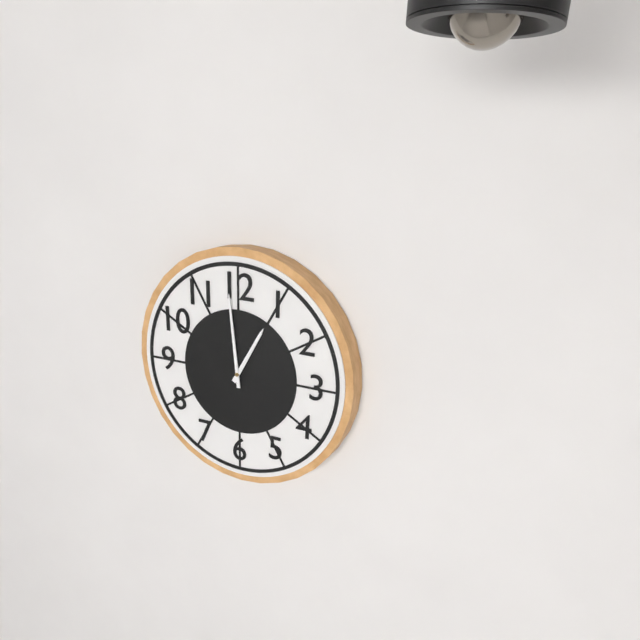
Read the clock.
12:59
